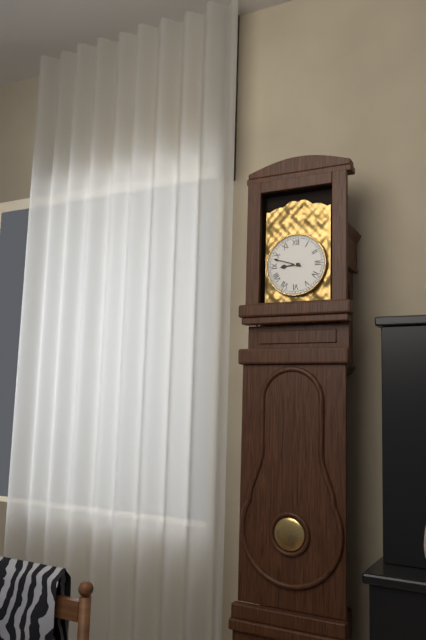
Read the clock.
8:48
